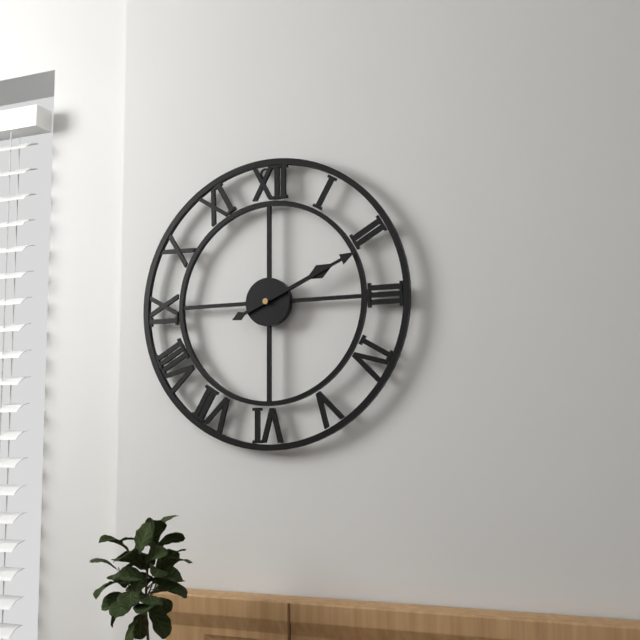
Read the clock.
2:11
